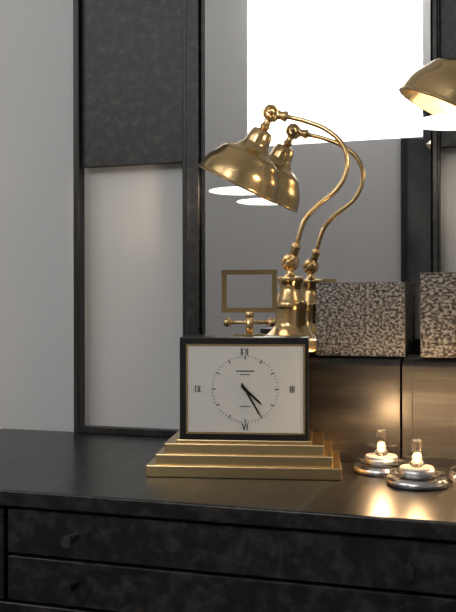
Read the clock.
4:25
